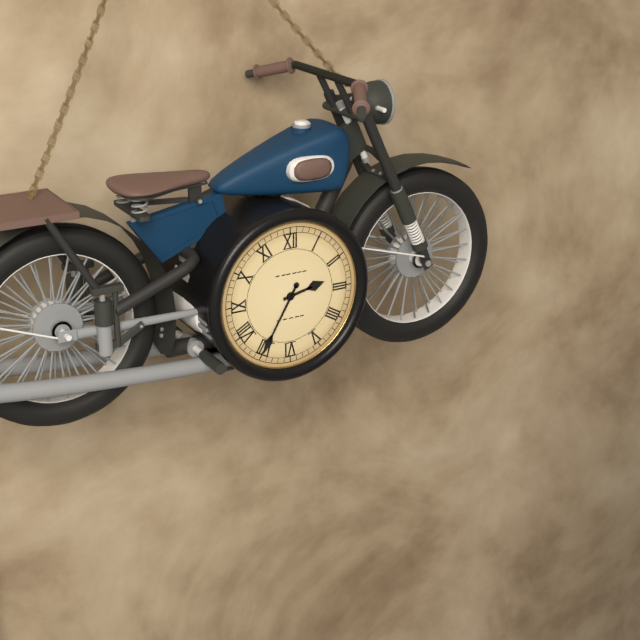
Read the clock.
2:35
